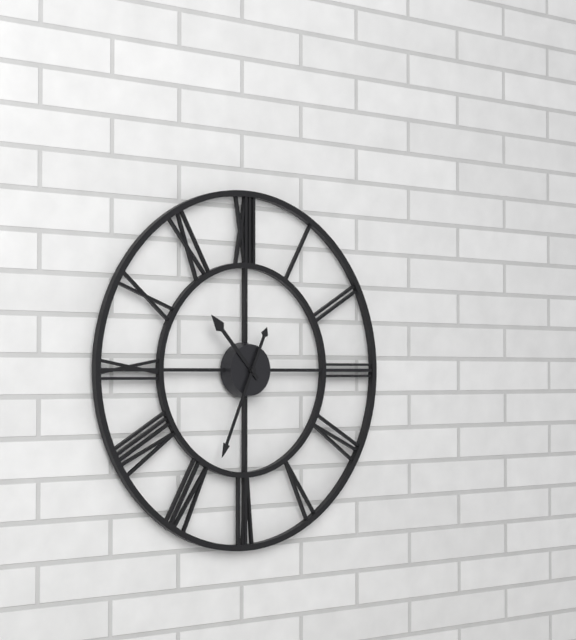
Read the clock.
10:34
